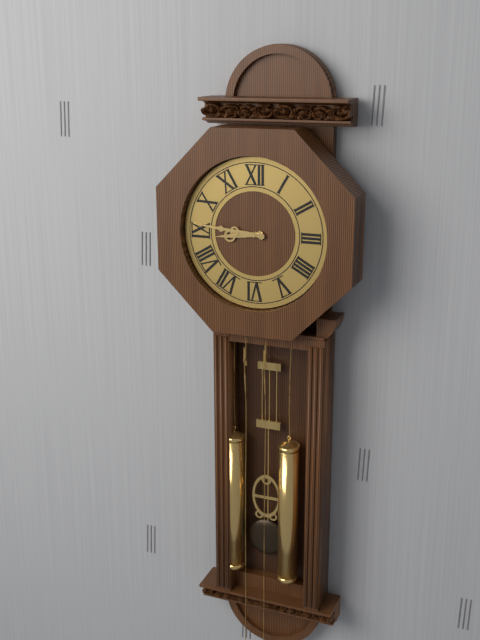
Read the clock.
8:46
